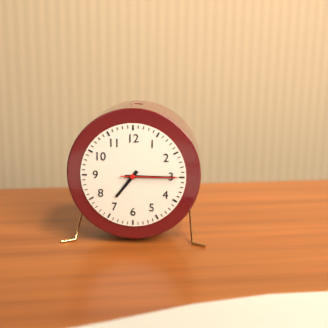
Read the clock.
7:15:15
